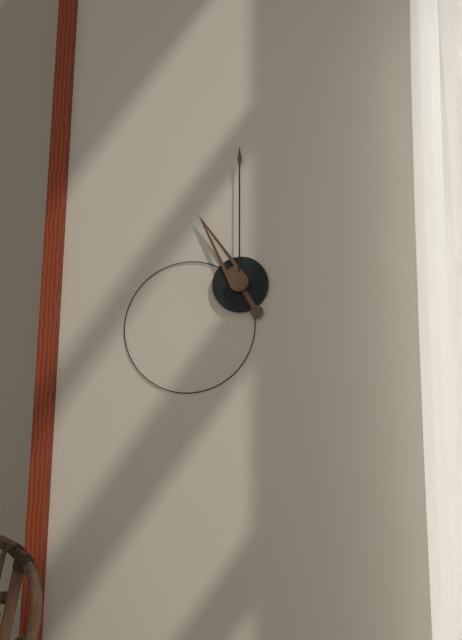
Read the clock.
11:00
